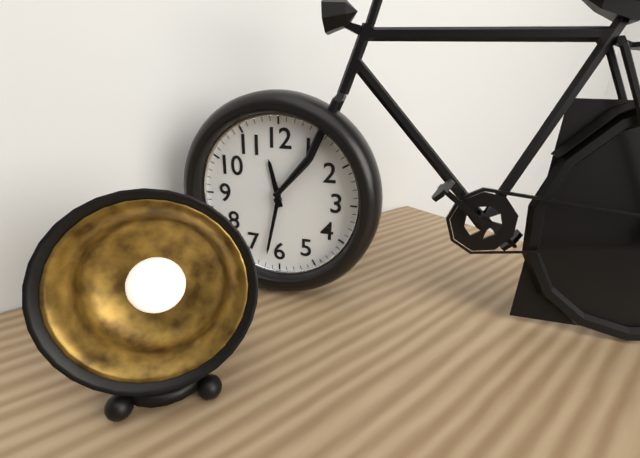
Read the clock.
11:32
